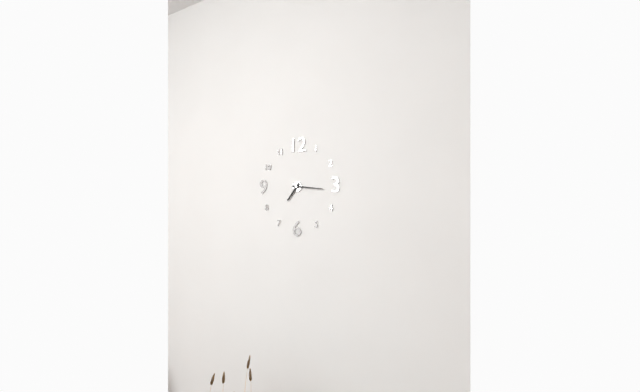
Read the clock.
7:16
